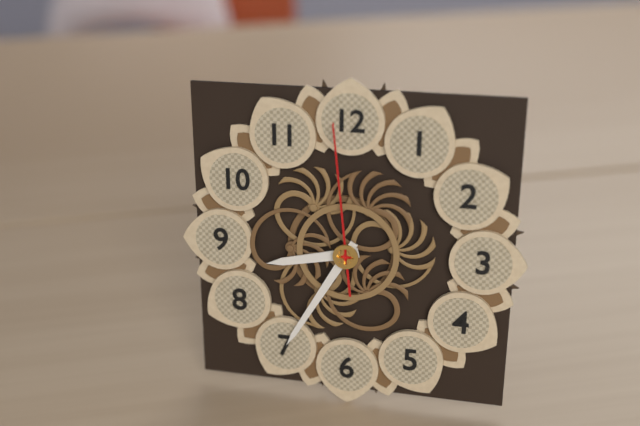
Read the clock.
8:35:59
